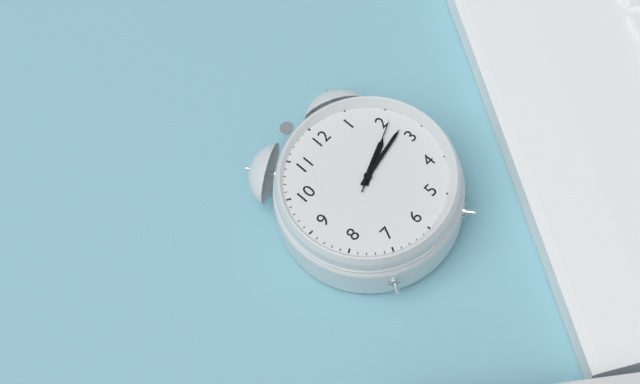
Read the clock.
2:13:11
